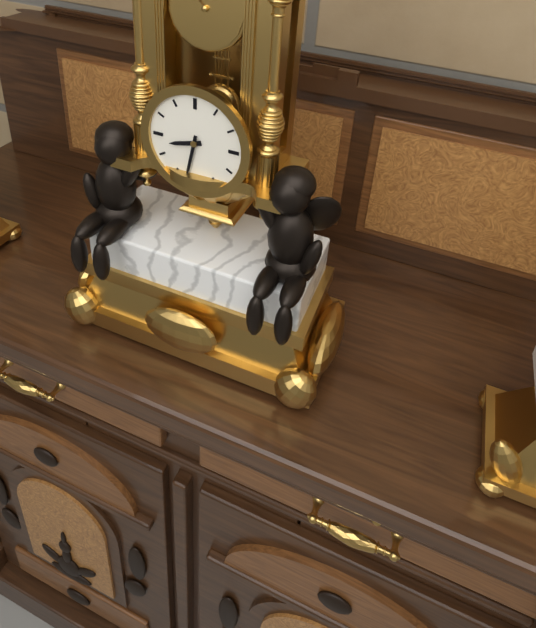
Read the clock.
8:32
